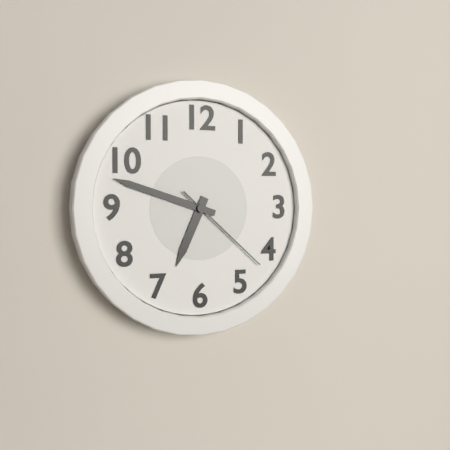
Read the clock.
6:48:22
